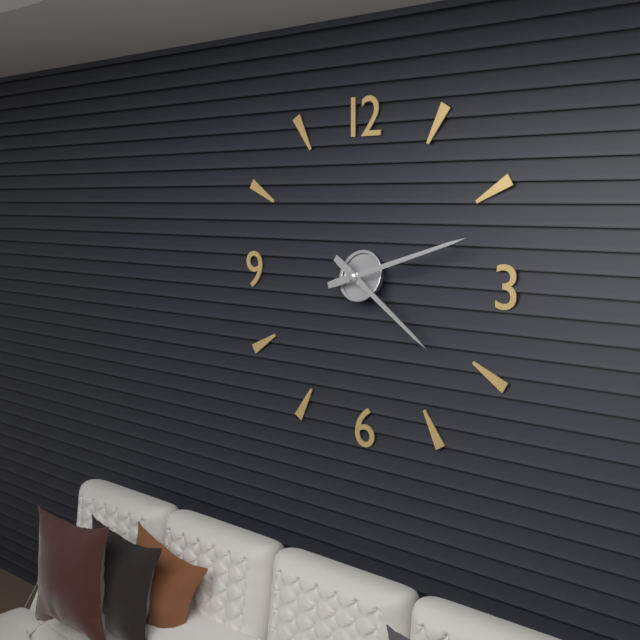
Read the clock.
4:12
